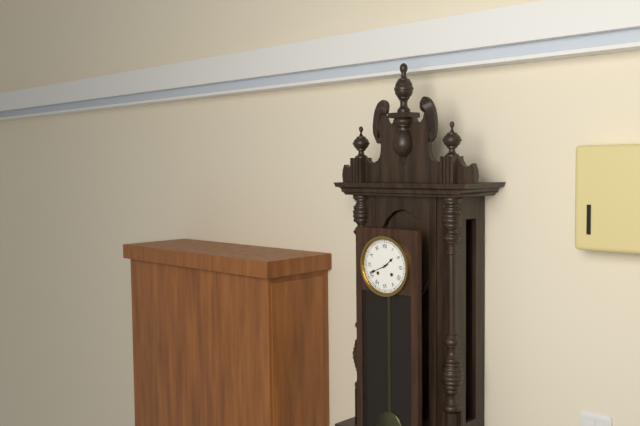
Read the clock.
1:41
